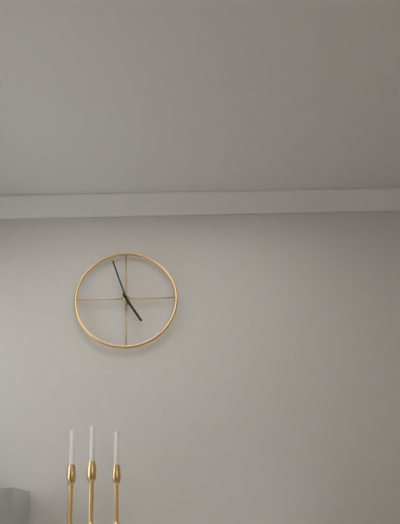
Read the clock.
4:57
